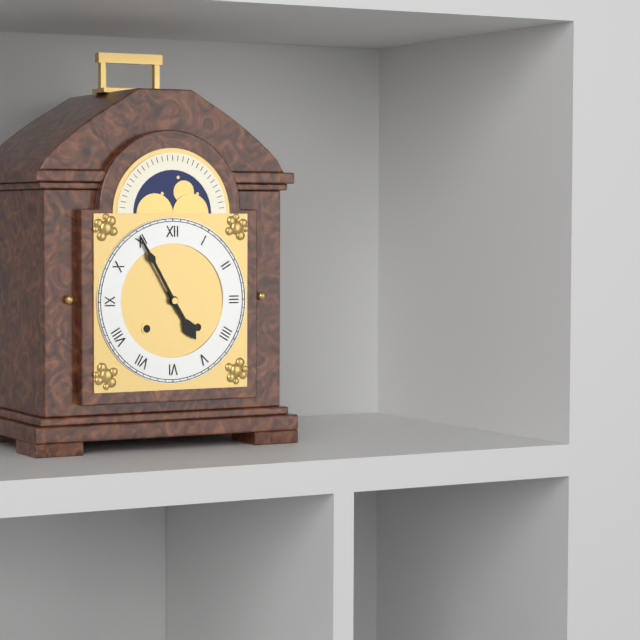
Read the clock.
4:55
